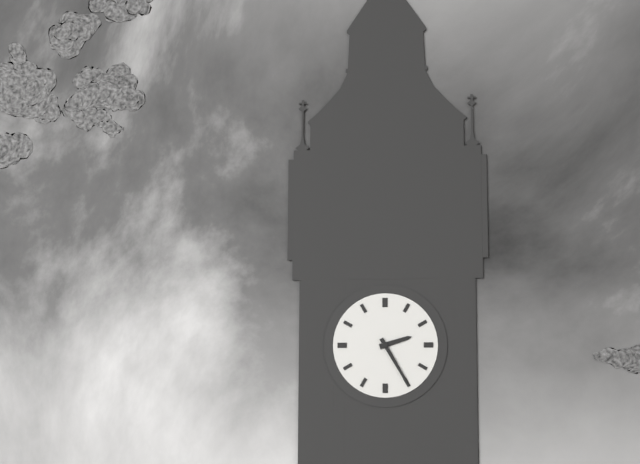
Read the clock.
2:25
